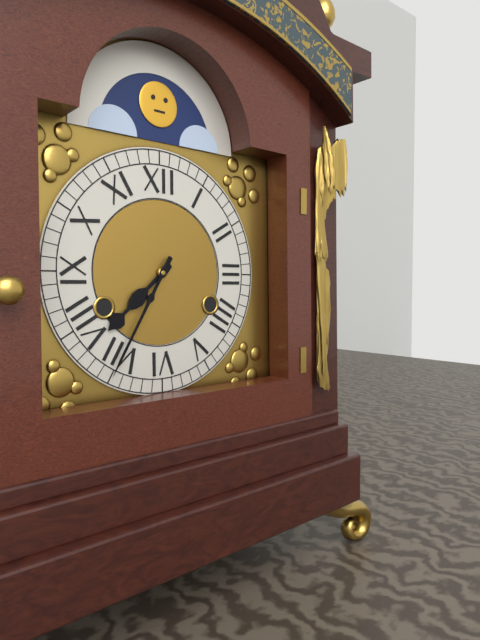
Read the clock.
7:35
